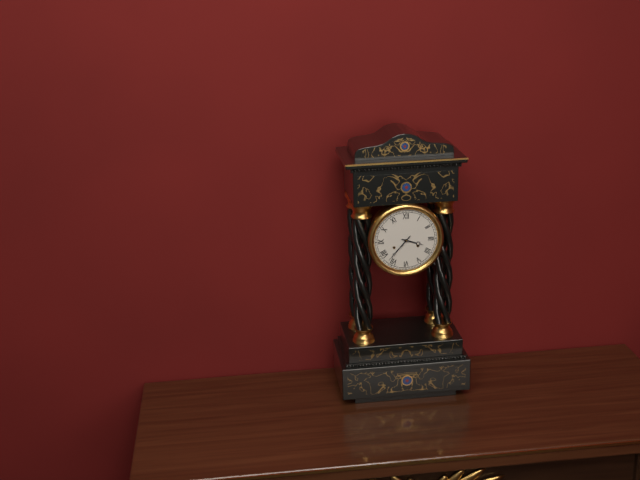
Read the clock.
3:37
